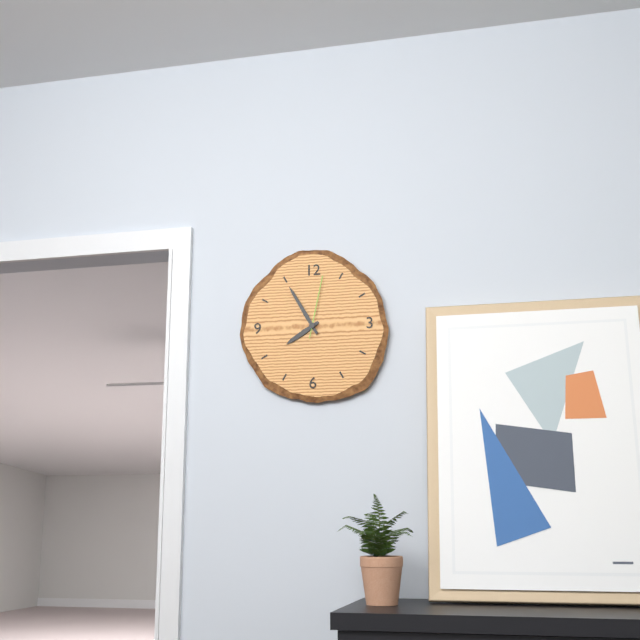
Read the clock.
7:55:02
